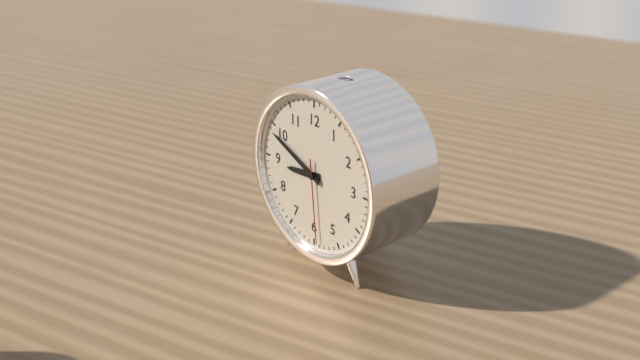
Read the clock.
8:49:29
